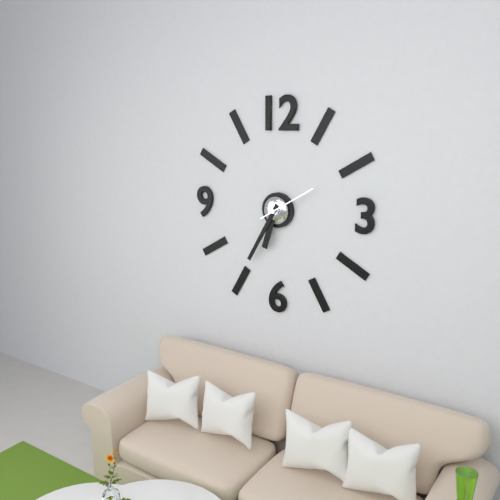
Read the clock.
6:35:10
